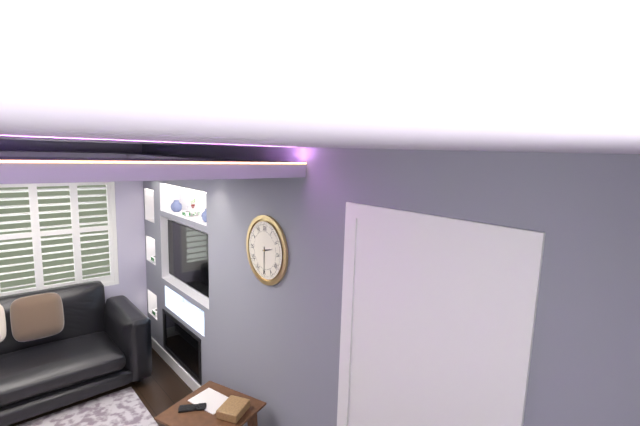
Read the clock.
2:30
